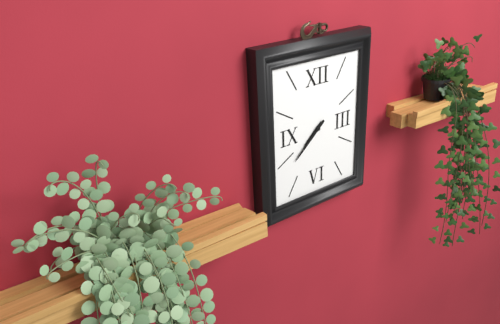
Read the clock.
7:38
